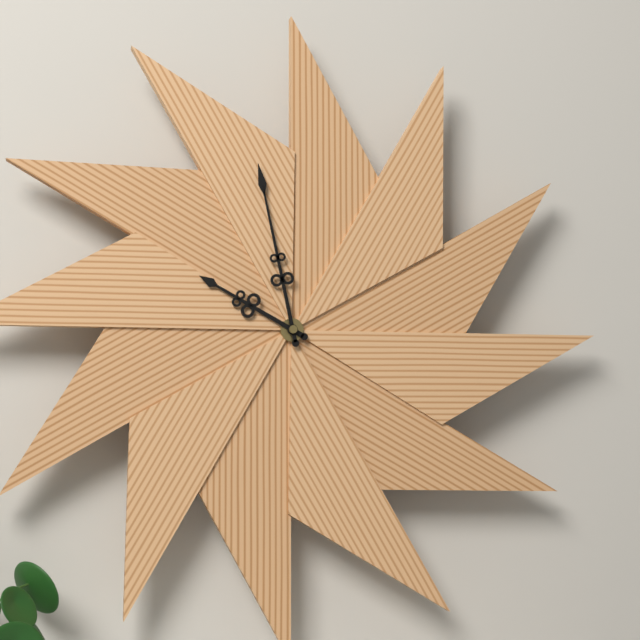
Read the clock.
9:58
